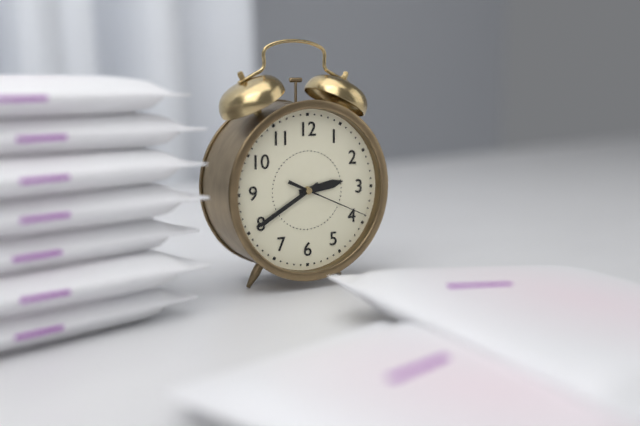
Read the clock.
2:40:19
